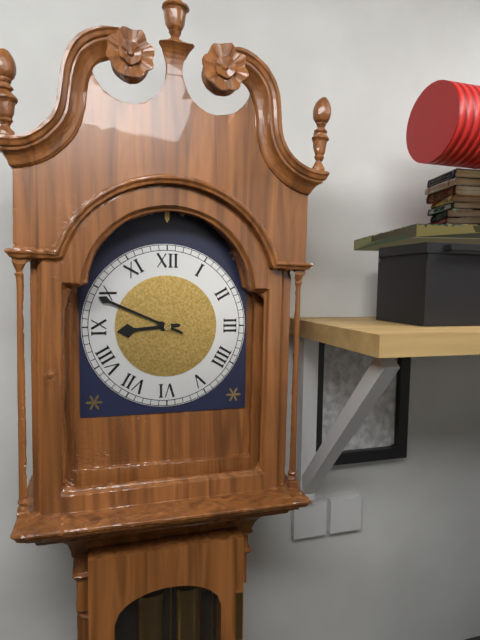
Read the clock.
8:49
